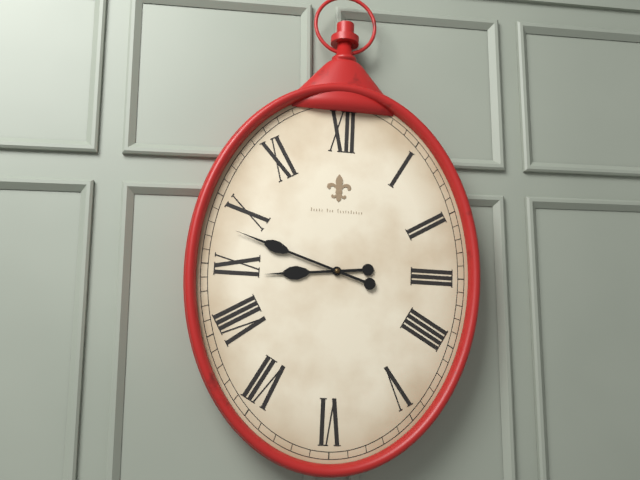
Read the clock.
8:48
